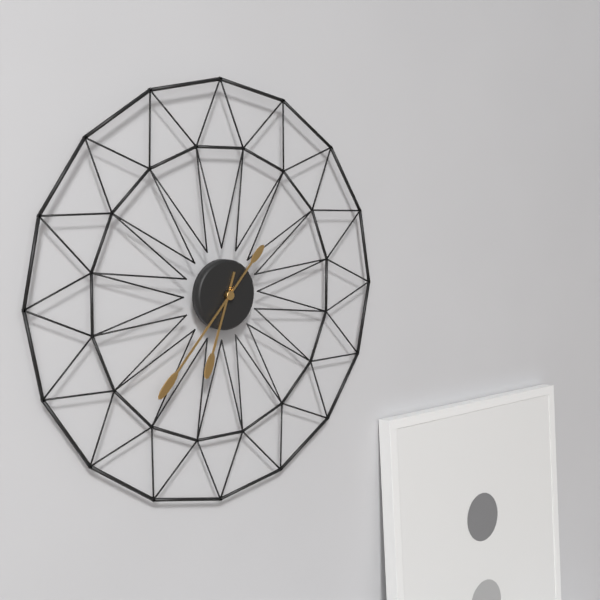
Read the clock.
6:37
